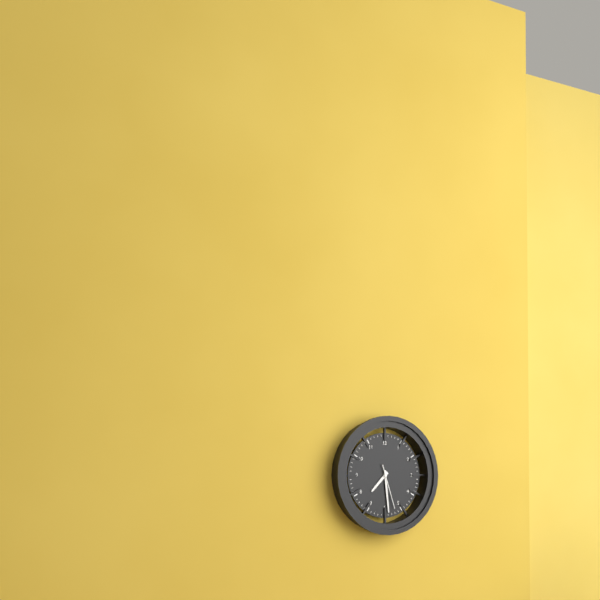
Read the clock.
7:29
